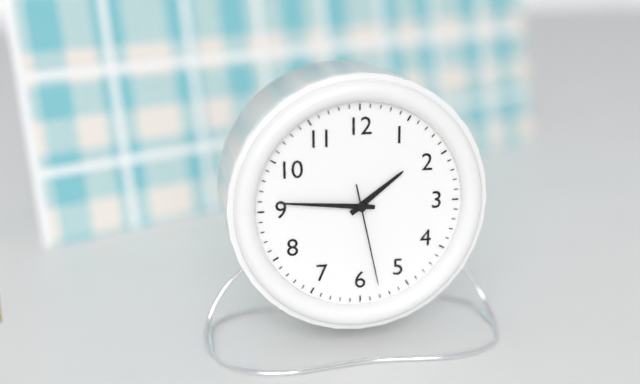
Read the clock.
1:46:28
